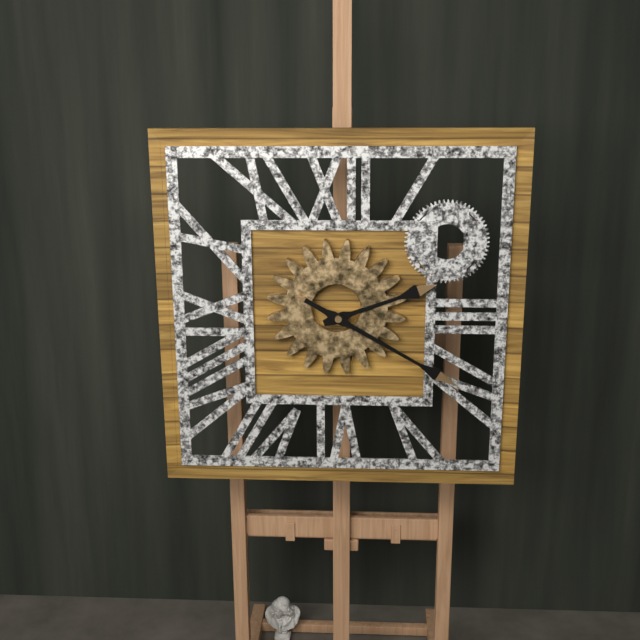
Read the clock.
2:20
